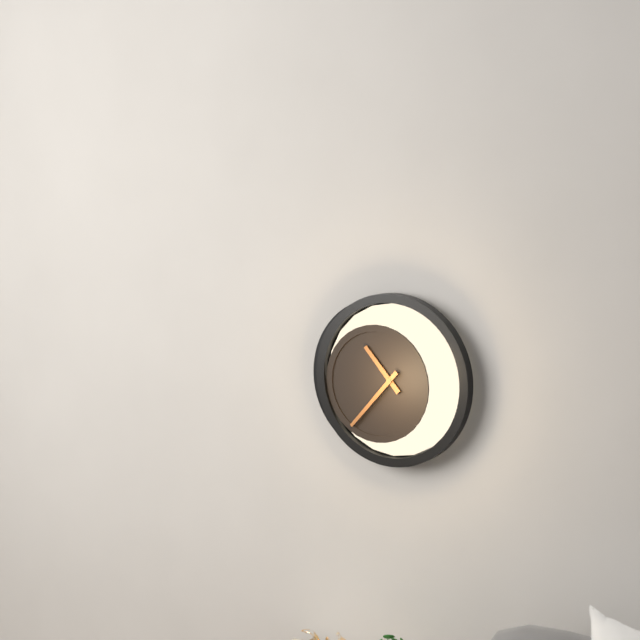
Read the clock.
10:37
